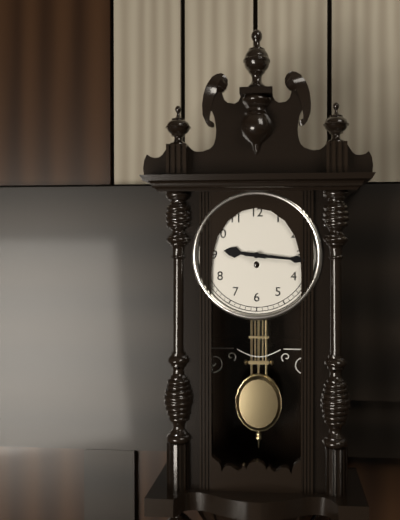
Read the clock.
9:16
